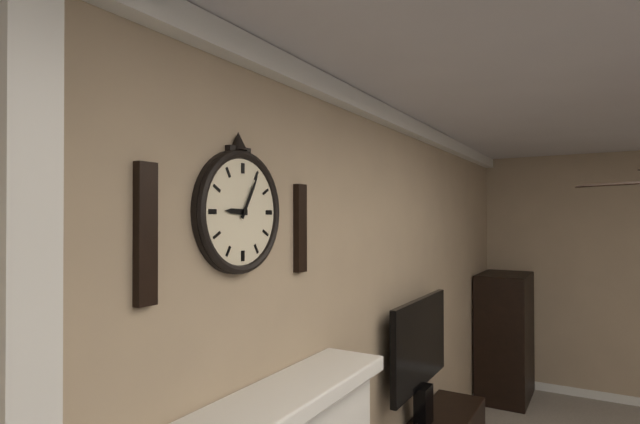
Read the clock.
9:05
